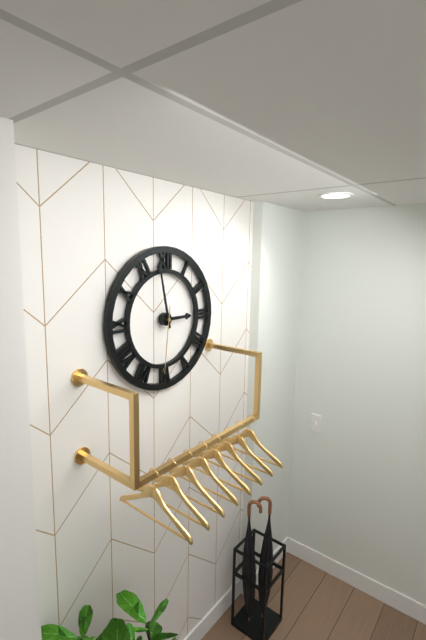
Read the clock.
2:58:31
